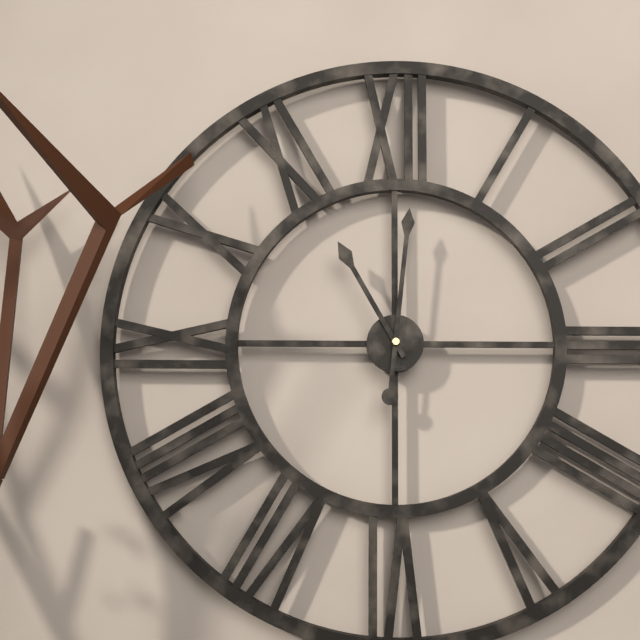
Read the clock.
11:01
